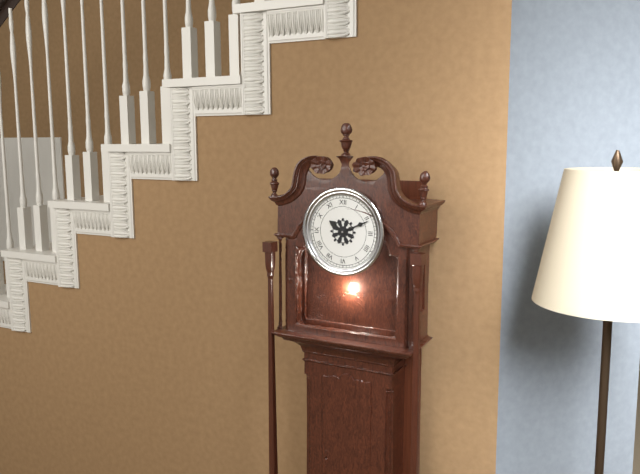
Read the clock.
10:11
